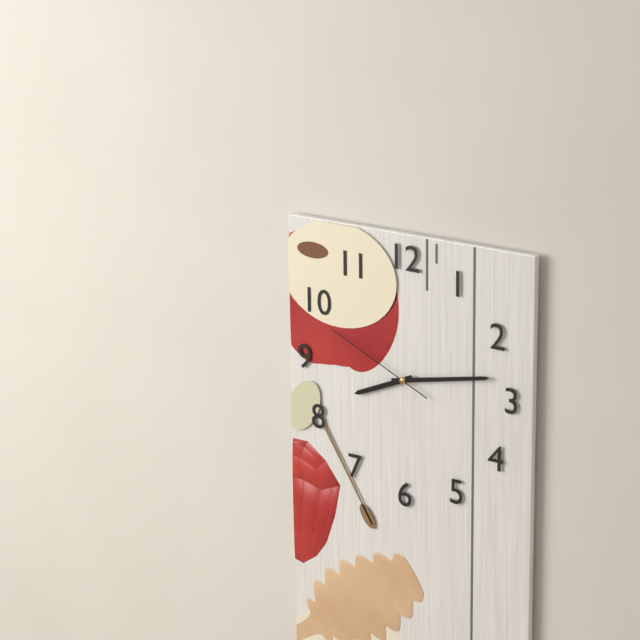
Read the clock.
8:13:49
